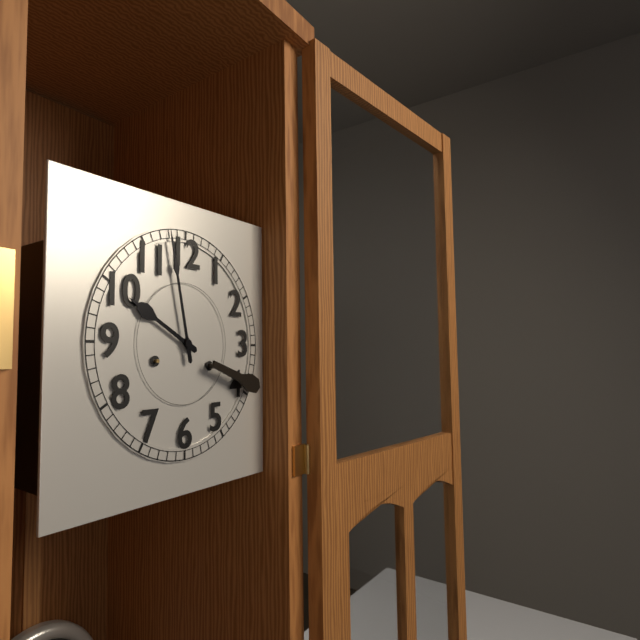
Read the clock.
9:58
